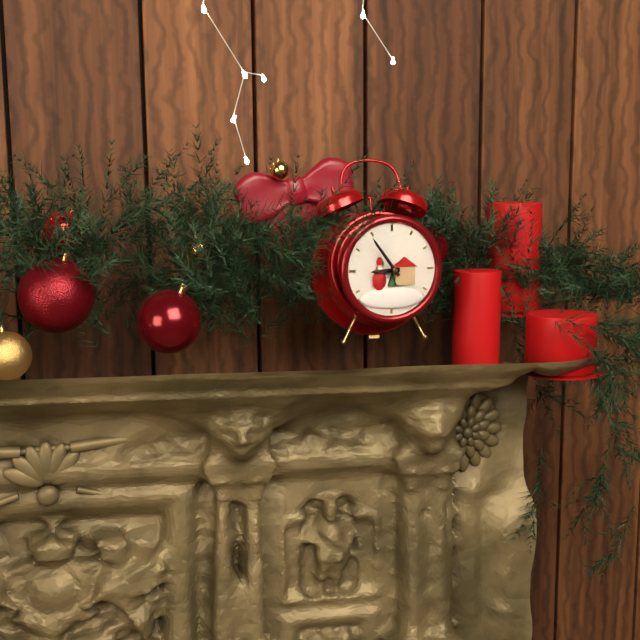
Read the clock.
8:54
